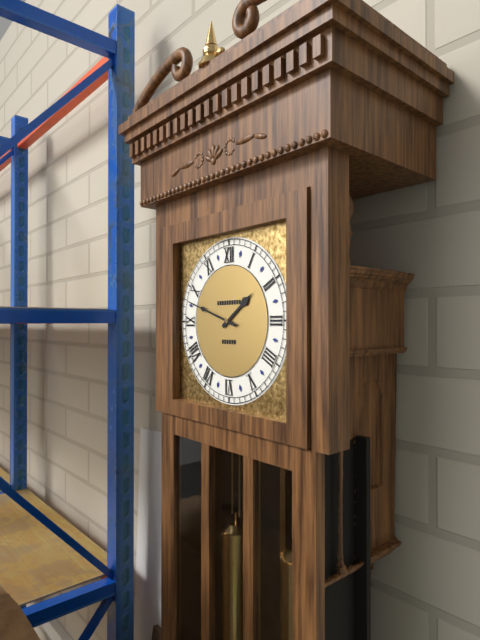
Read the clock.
1:48
